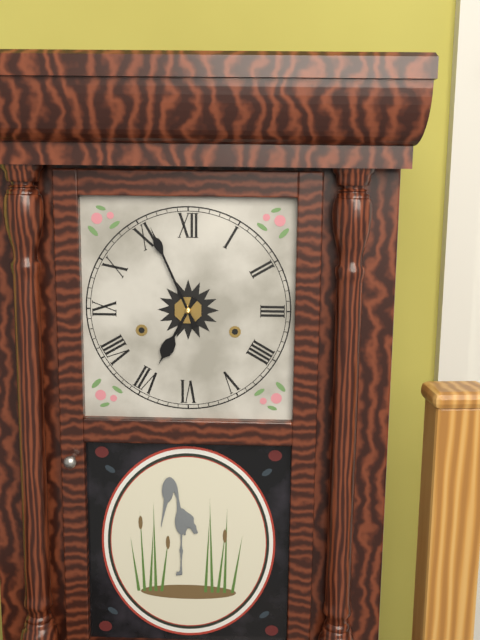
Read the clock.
6:56
